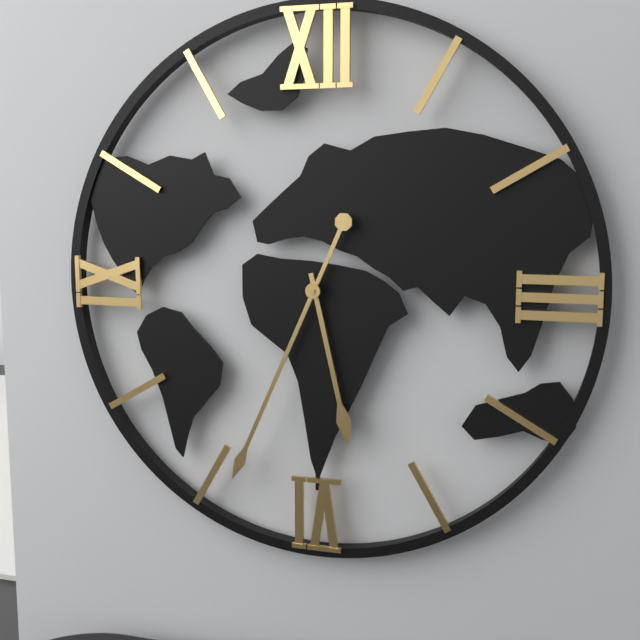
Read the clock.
5:34
